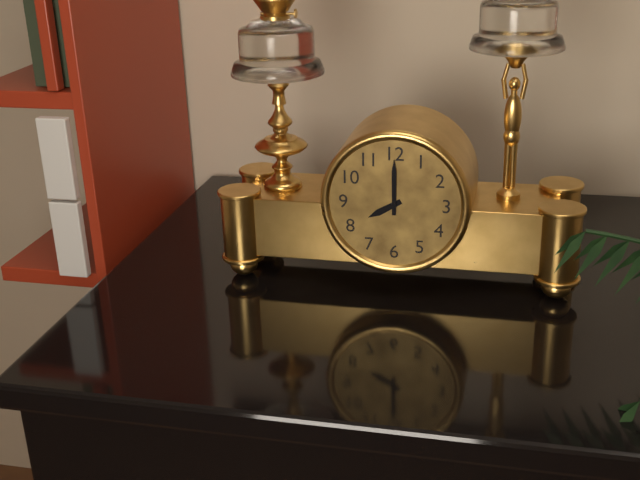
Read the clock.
8:00
